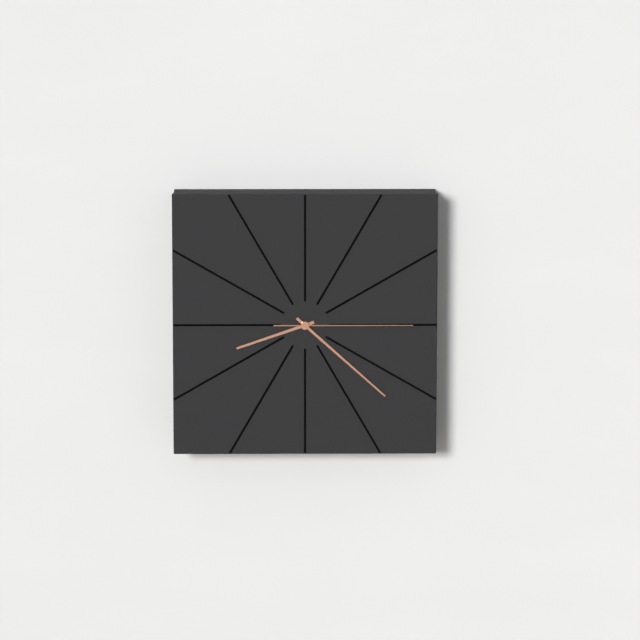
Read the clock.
8:22:15
